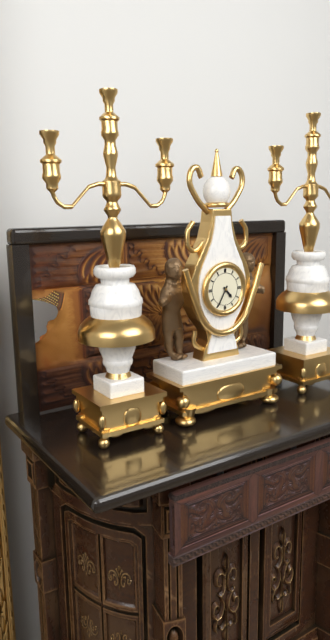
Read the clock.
4:35
